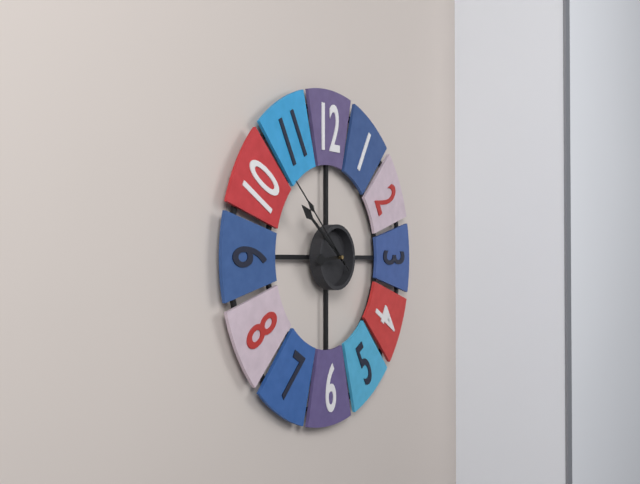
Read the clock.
8:51:52
